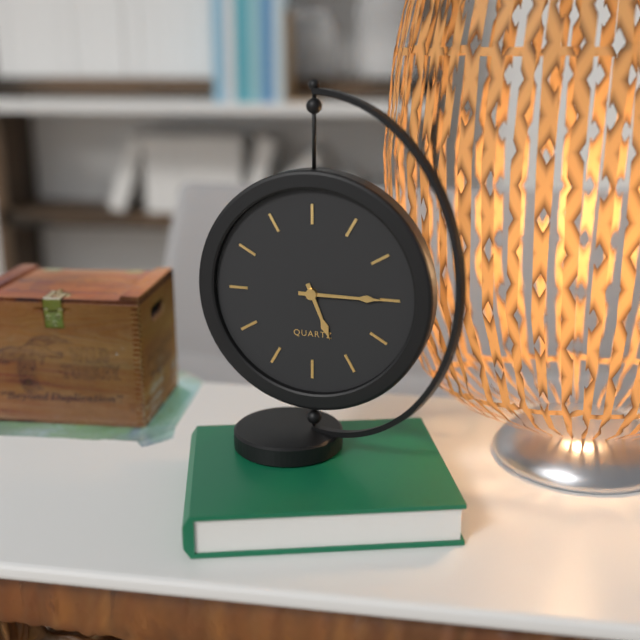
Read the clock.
5:15
